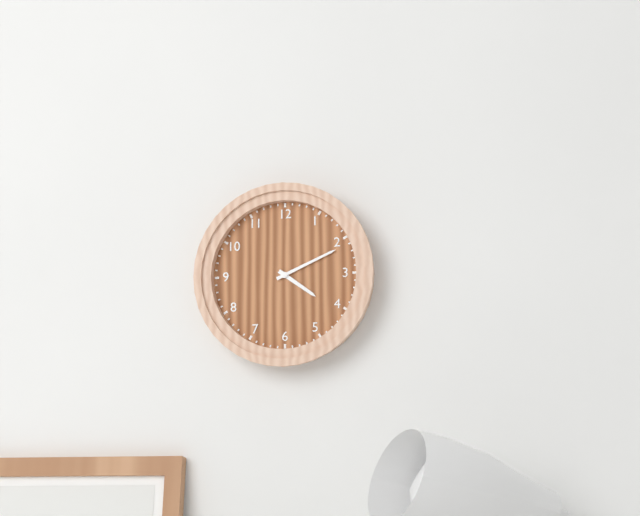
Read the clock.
4:11
